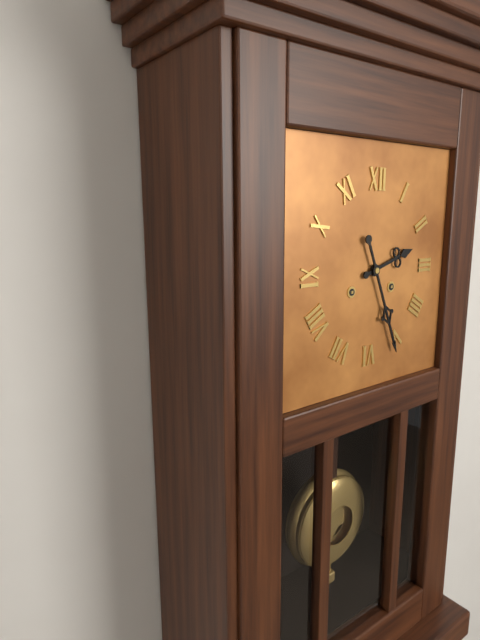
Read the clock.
2:26
